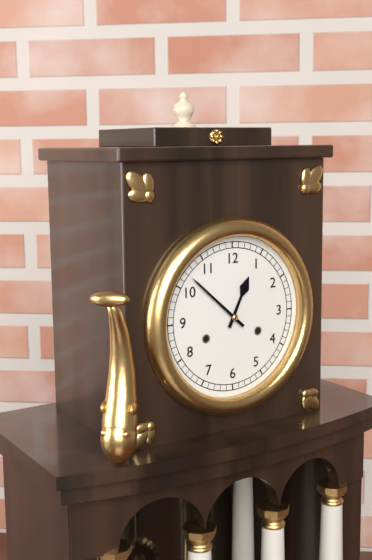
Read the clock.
12:52
